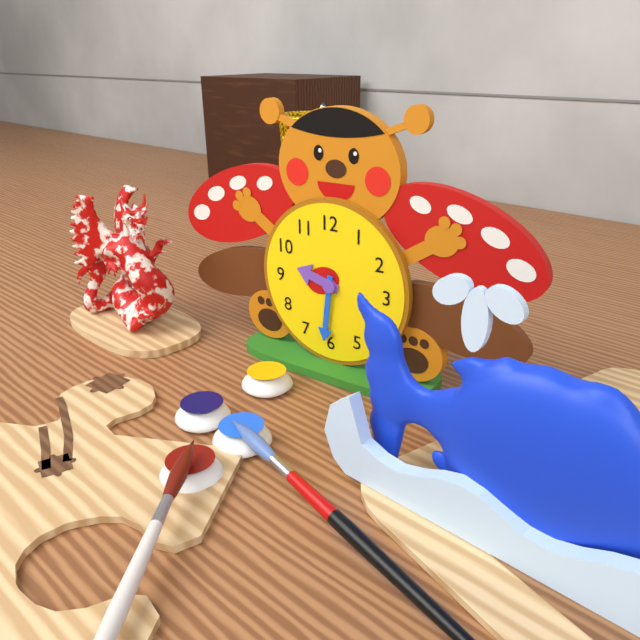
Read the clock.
9:31
